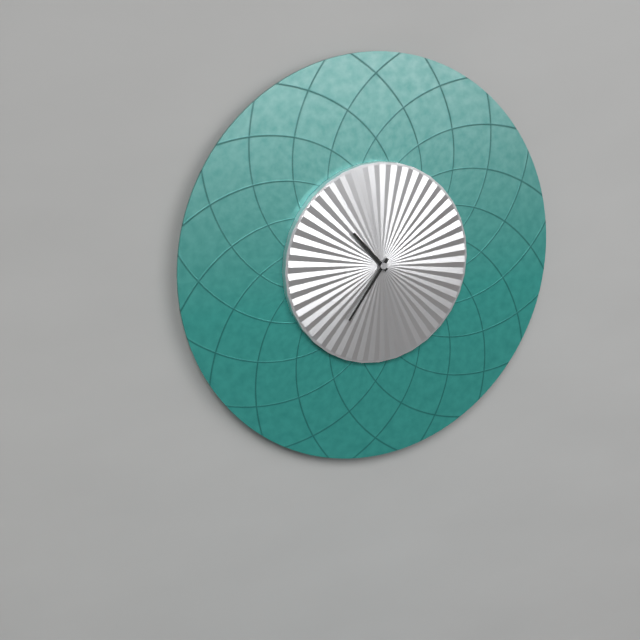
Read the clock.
10:36
